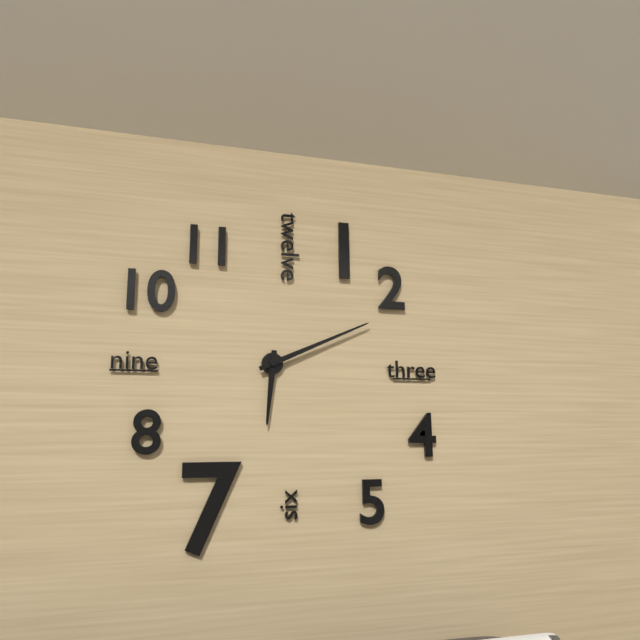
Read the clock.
6:11
